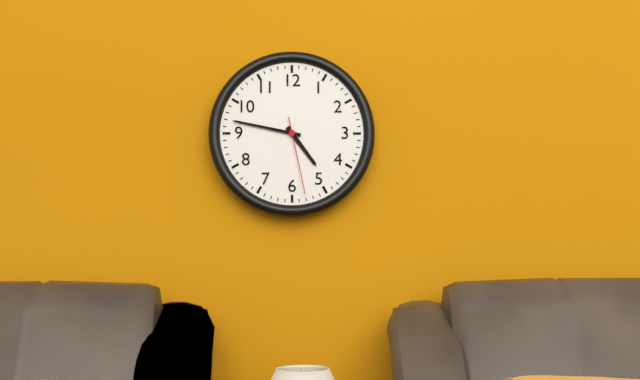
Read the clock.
4:47:28
